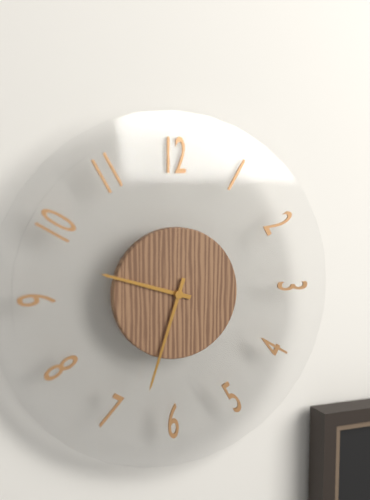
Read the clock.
9:33
